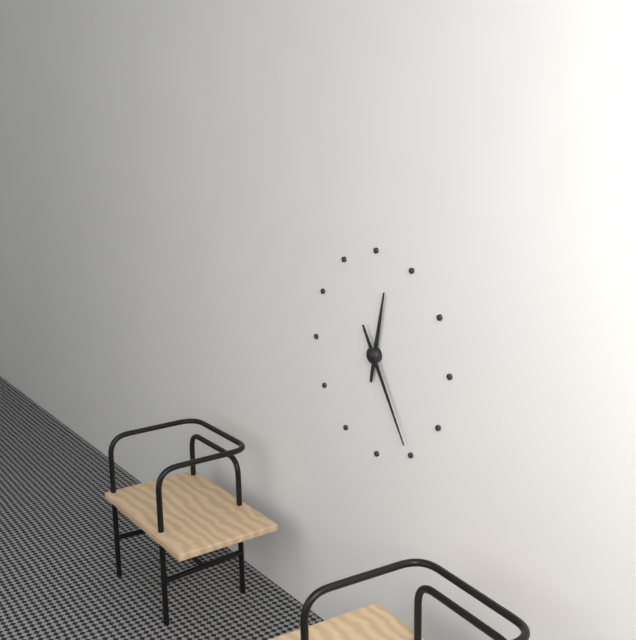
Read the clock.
12:25
